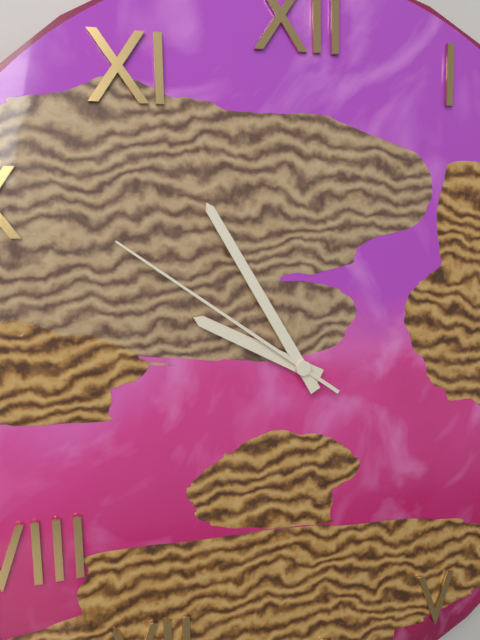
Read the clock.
9:55:51
